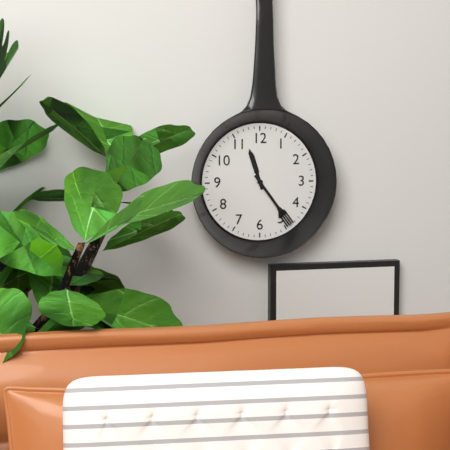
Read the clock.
11:24
